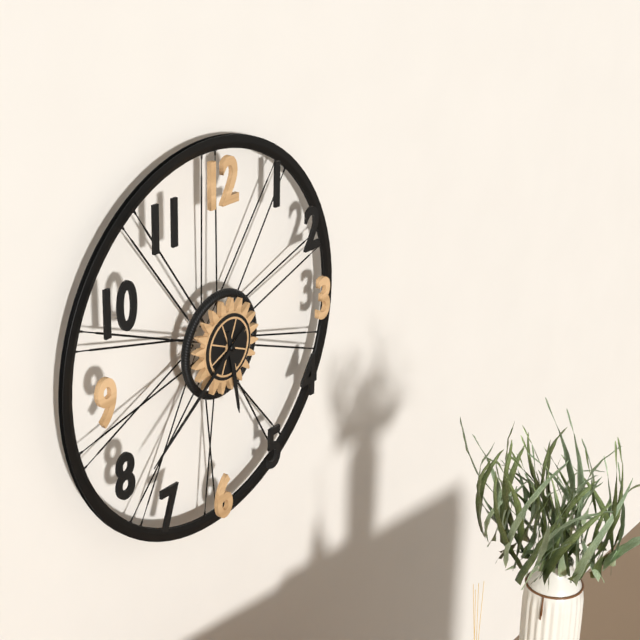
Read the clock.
5:39
